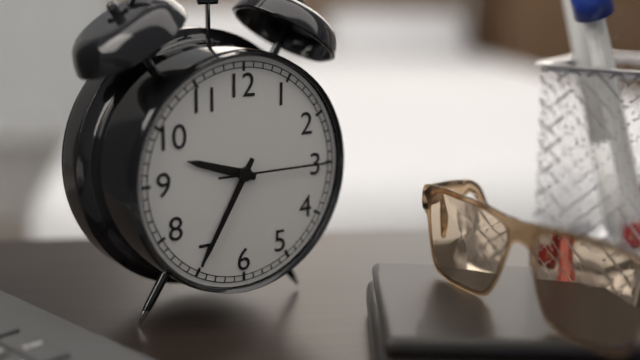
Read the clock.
9:35:15
